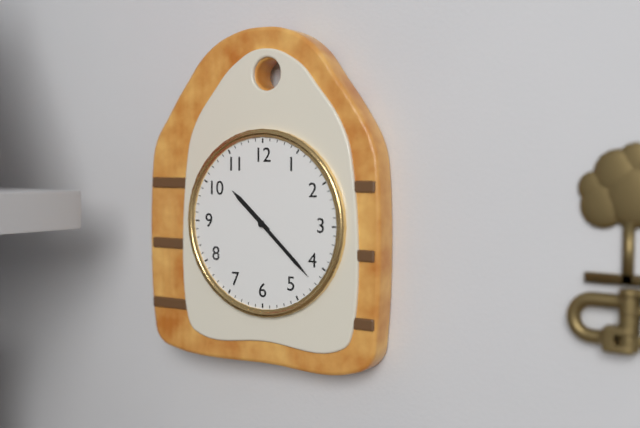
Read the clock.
10:22
